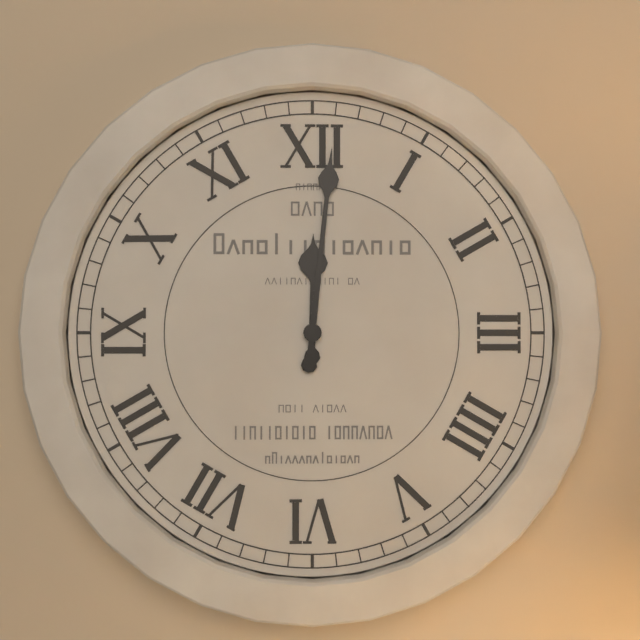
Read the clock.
12:01
